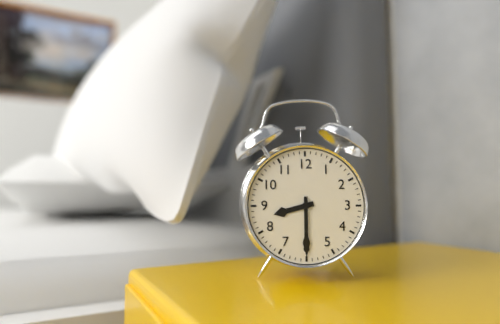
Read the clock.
8:30
